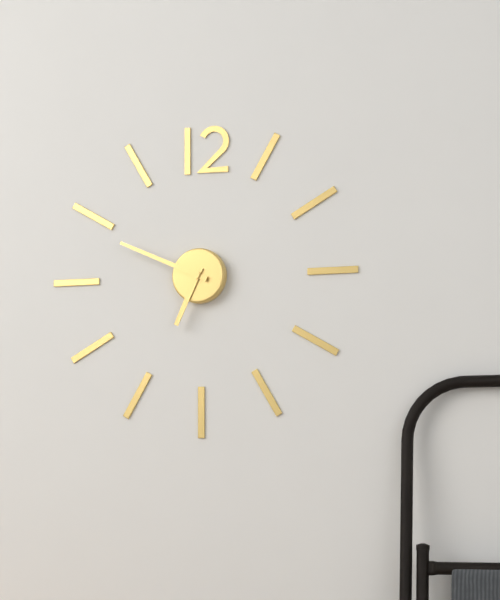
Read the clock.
6:49
